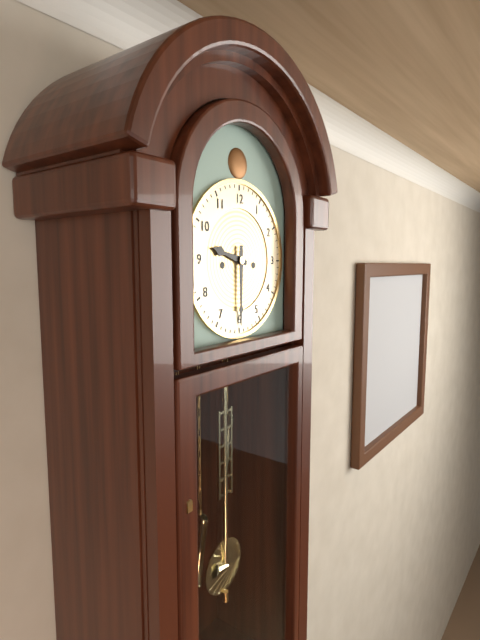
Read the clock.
9:30
